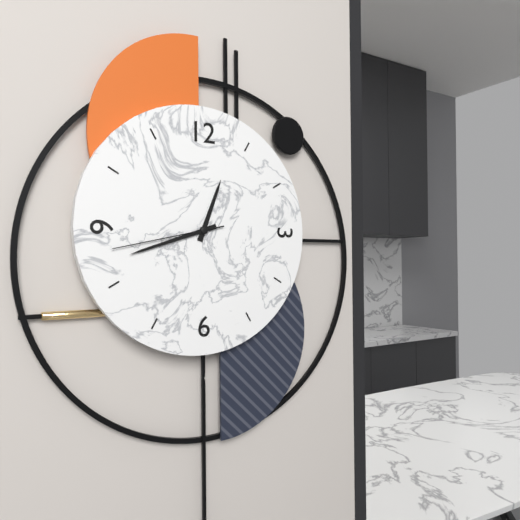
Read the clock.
12:42:43
